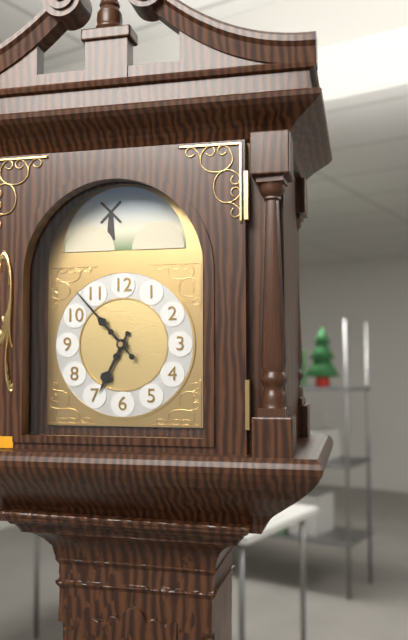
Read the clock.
6:53
